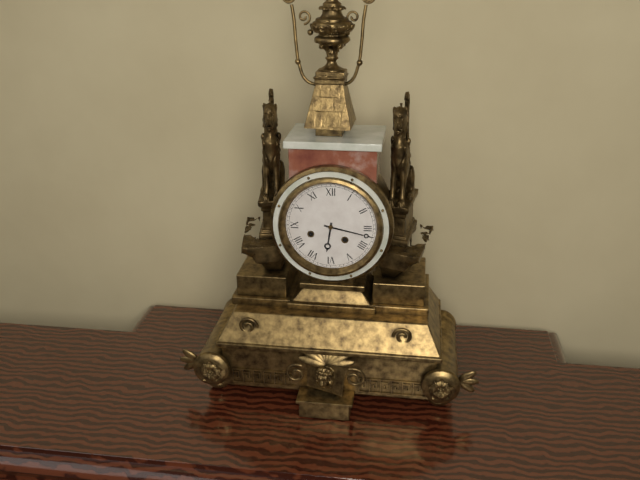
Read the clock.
6:17
